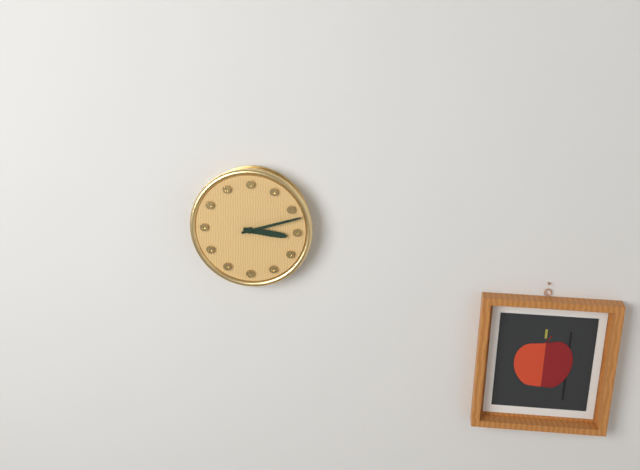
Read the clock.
3:12
